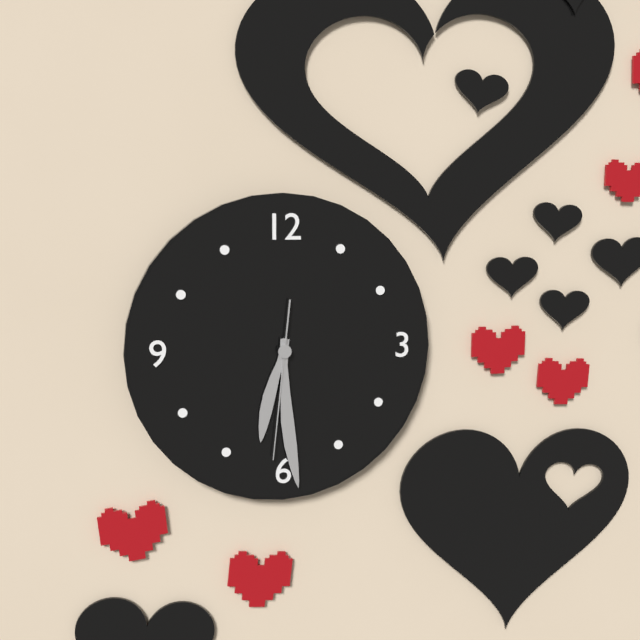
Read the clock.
6:29:31
